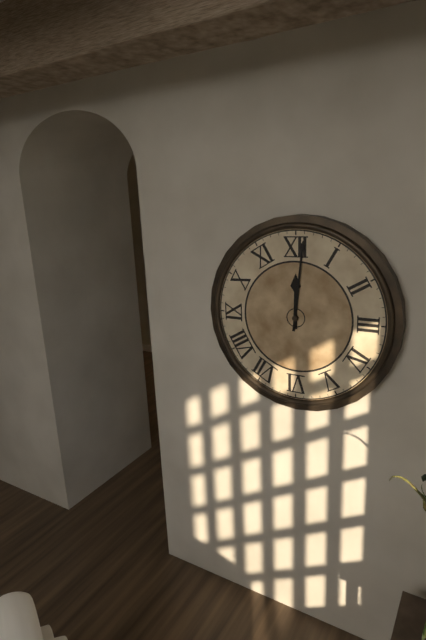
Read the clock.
12:01
